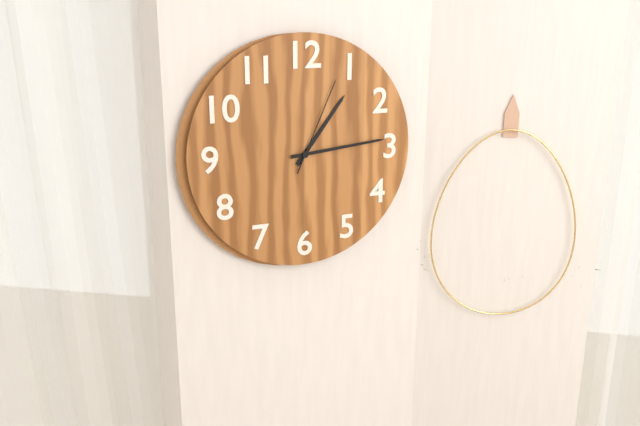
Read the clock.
1:14:04
